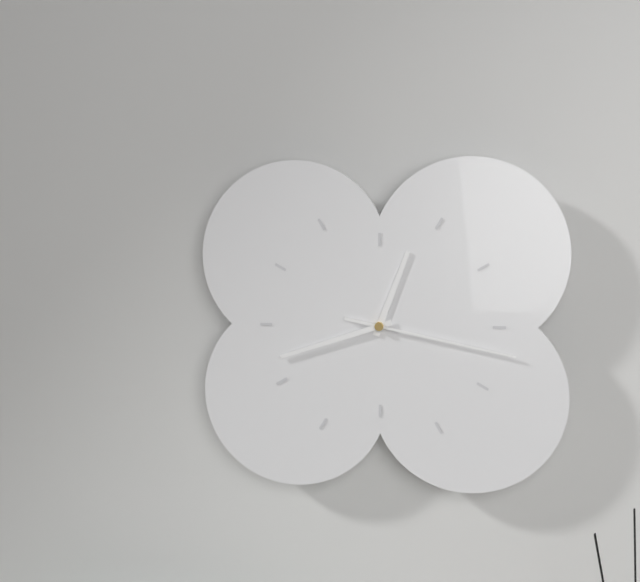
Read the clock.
12:42:17
